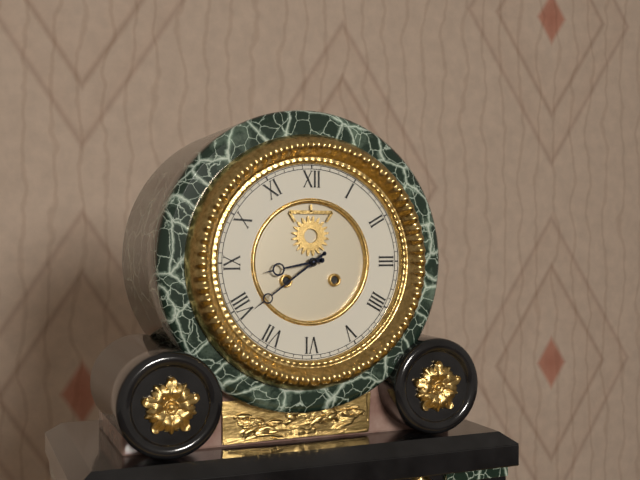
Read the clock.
8:39
